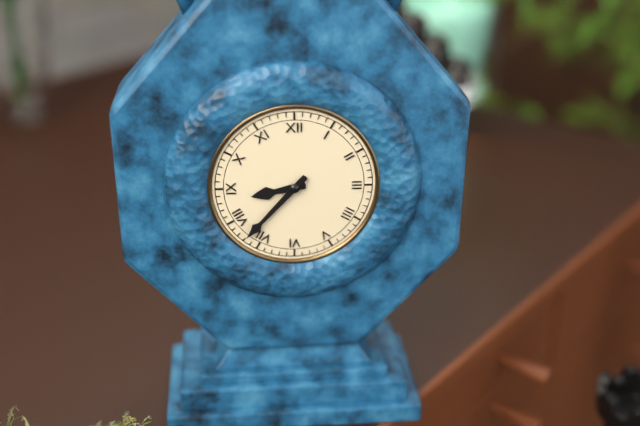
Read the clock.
8:37
